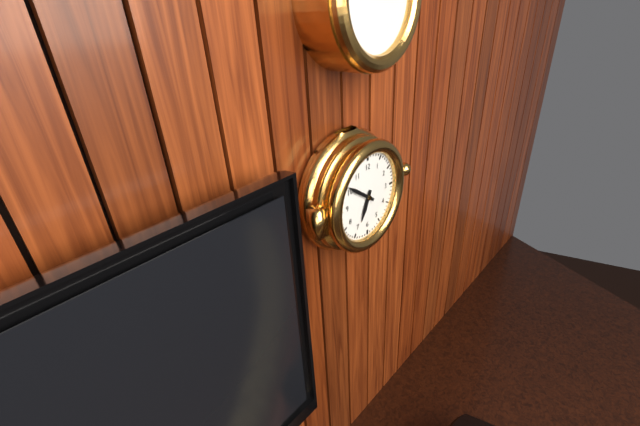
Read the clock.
6:51
